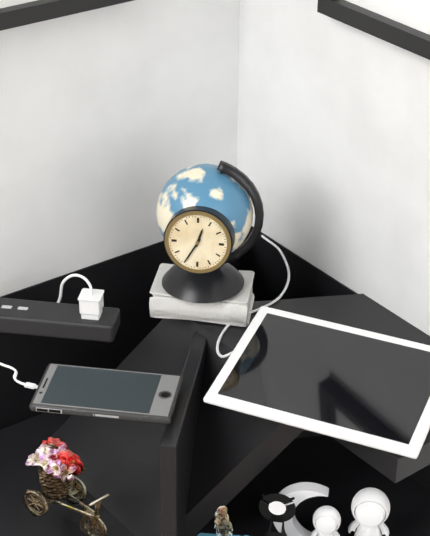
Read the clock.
12:35
